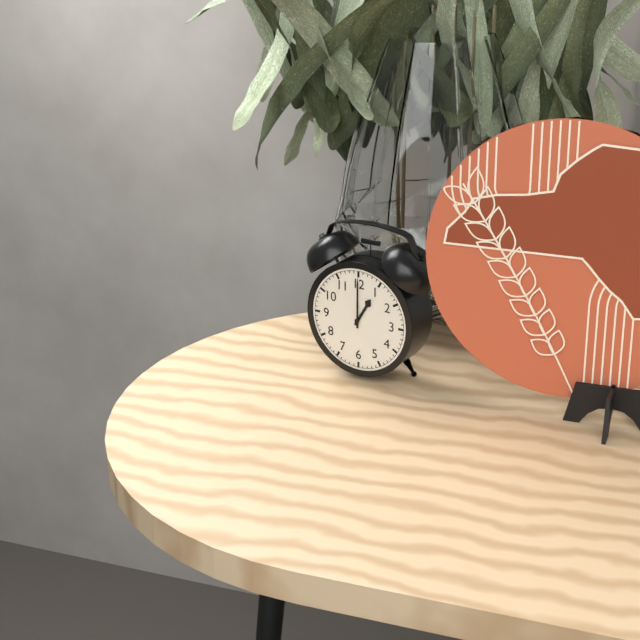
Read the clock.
1:00
